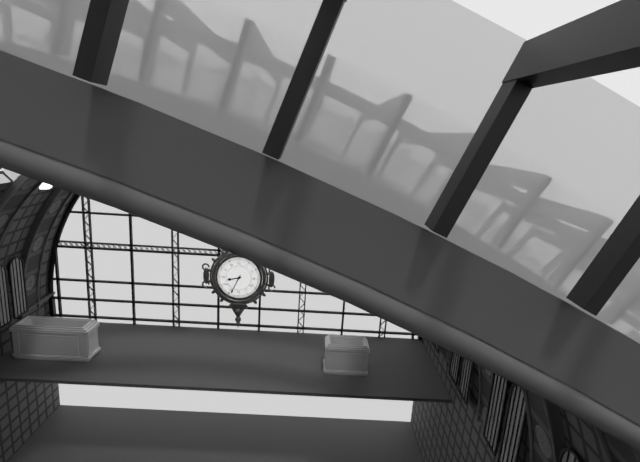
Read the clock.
8:34
